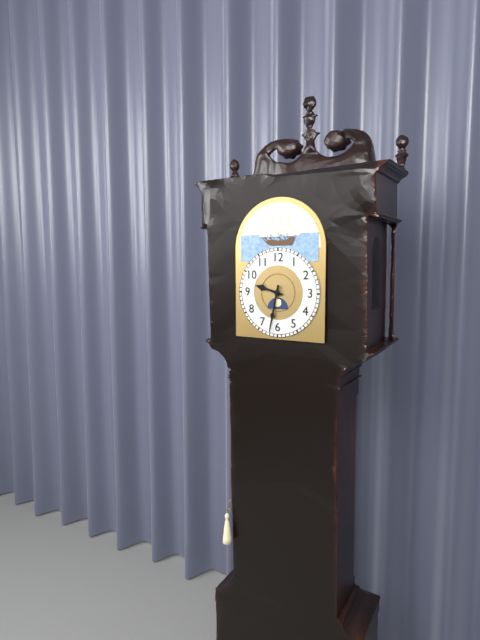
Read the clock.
9:32
